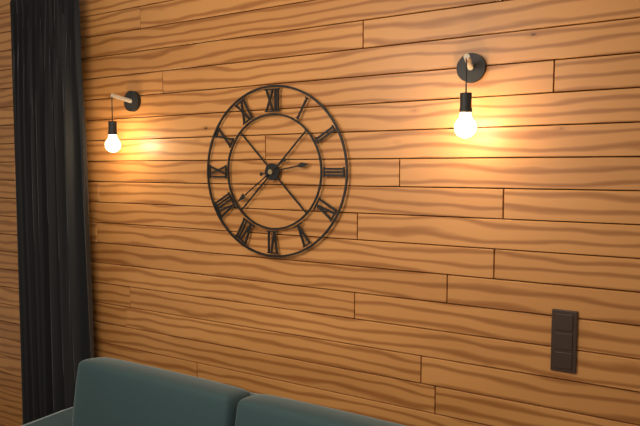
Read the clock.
2:39
